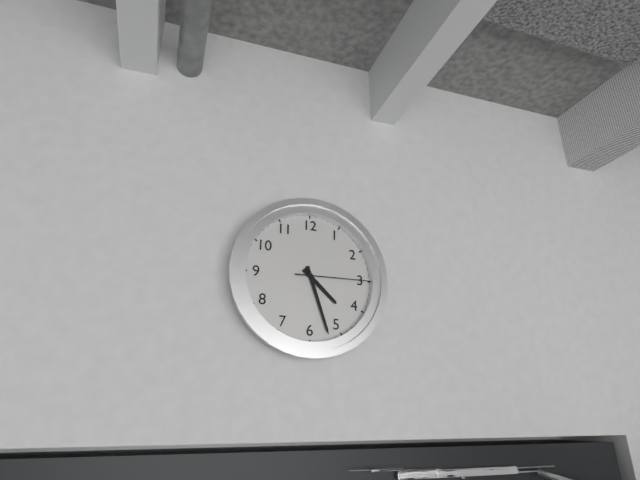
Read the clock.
4:27:15
